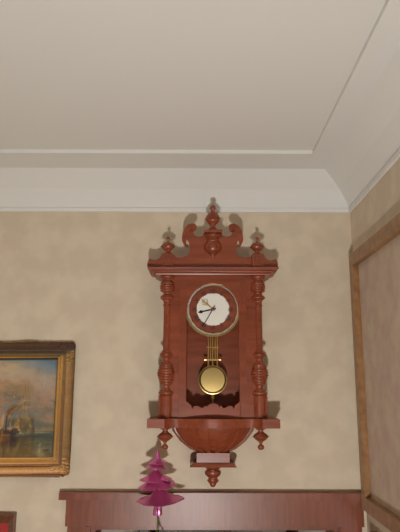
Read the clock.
8:35
